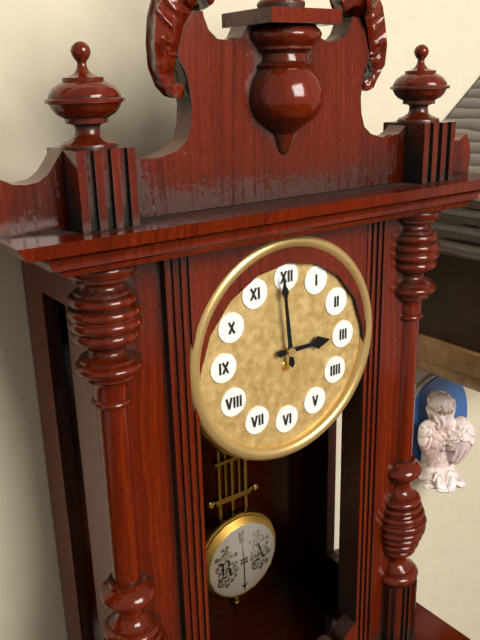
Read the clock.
2:59
